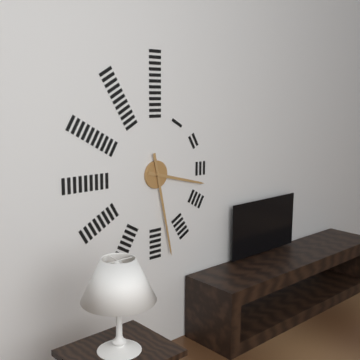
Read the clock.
3:28
